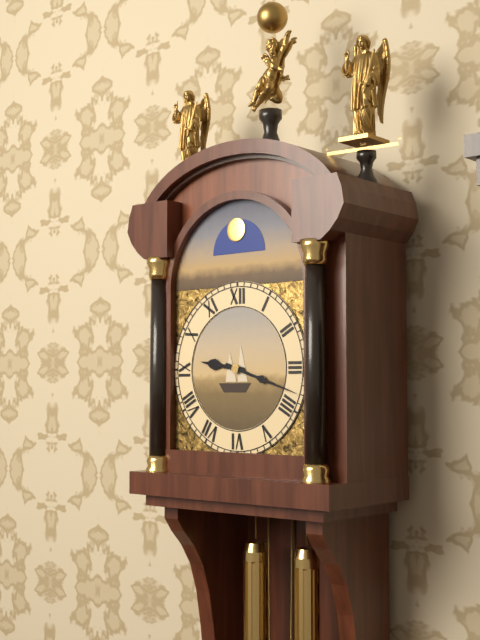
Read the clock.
9:18
